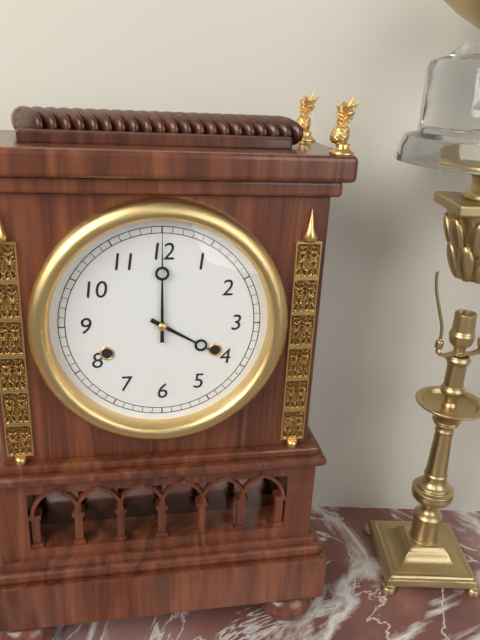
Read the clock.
4:00
